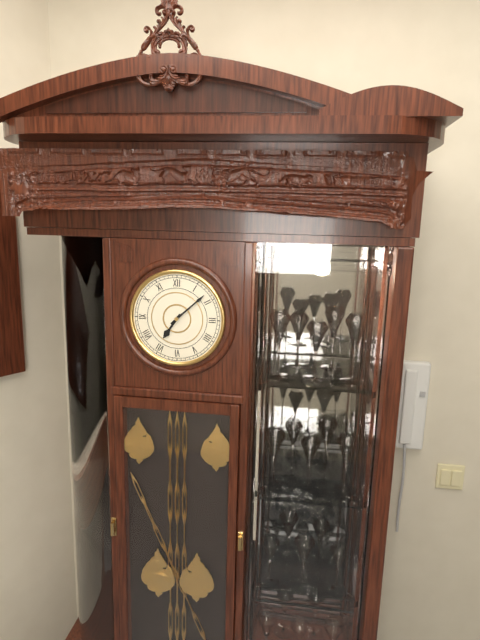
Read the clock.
7:08
